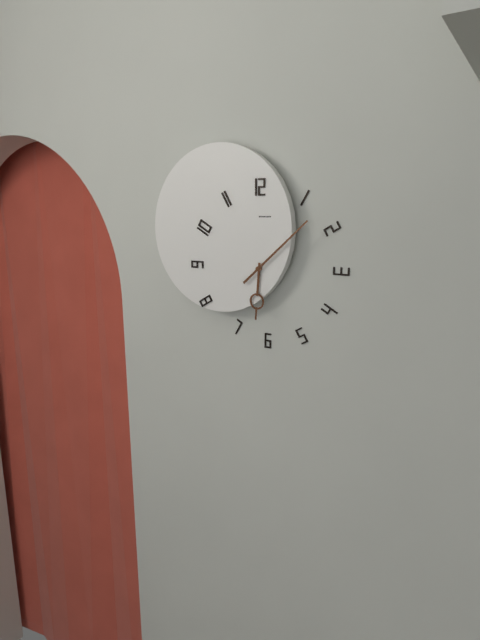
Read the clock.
6:08
